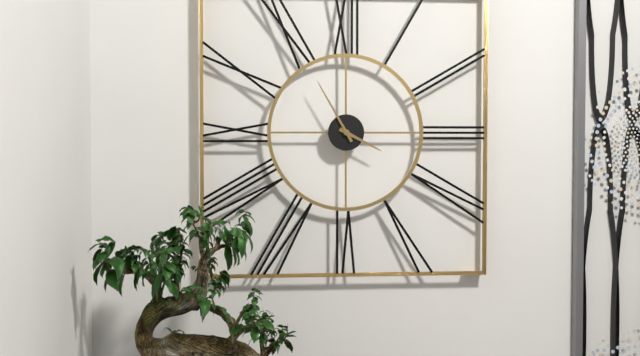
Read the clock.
3:55
